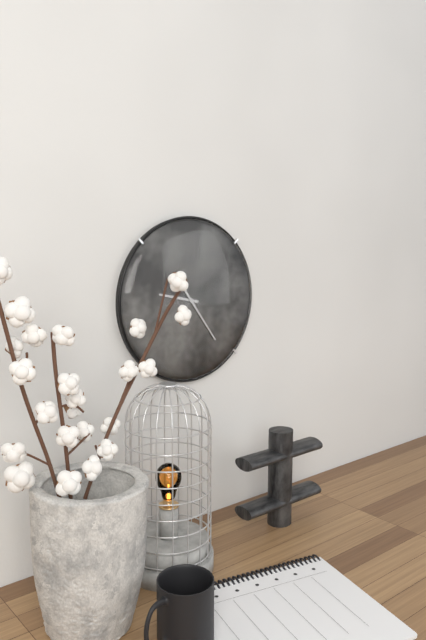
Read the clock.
9:24
